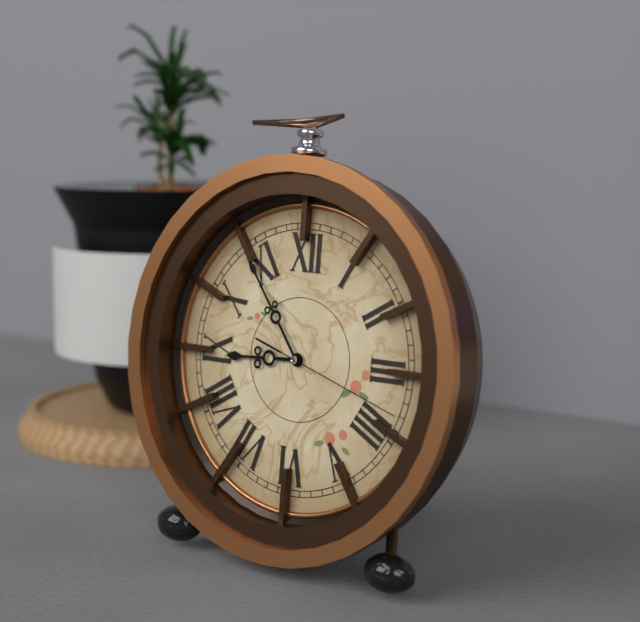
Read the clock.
8:54:18
